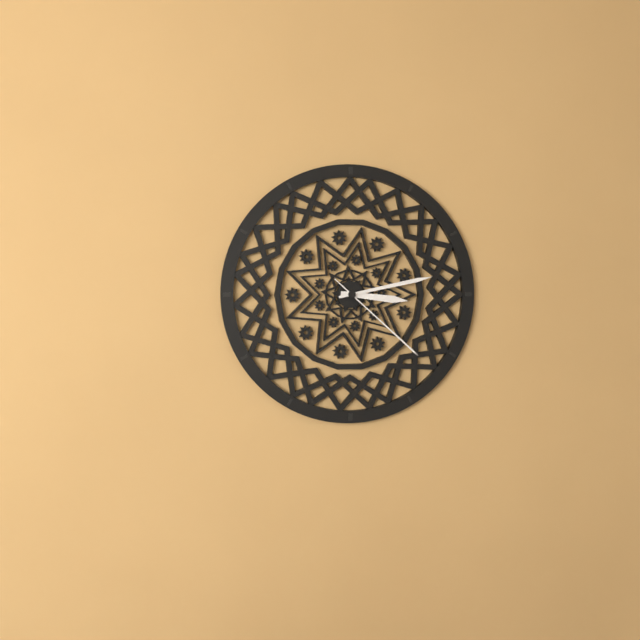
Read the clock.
3:13:22
